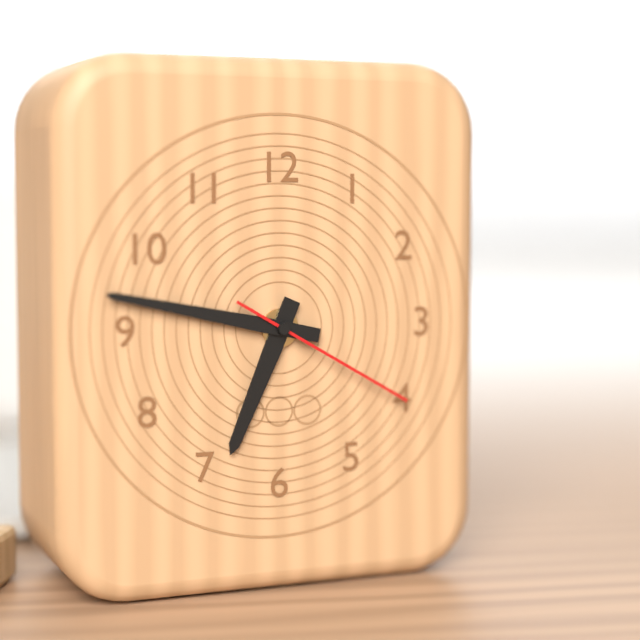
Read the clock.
6:47:20
